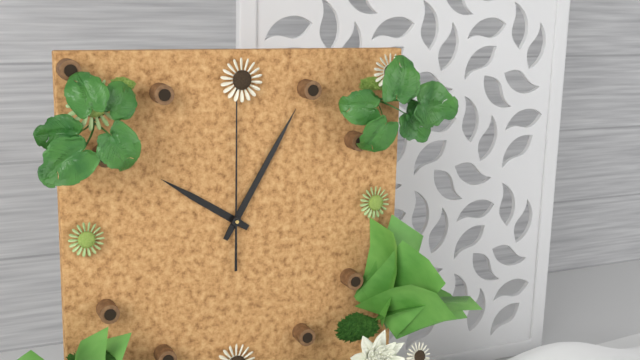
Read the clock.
10:05:00
